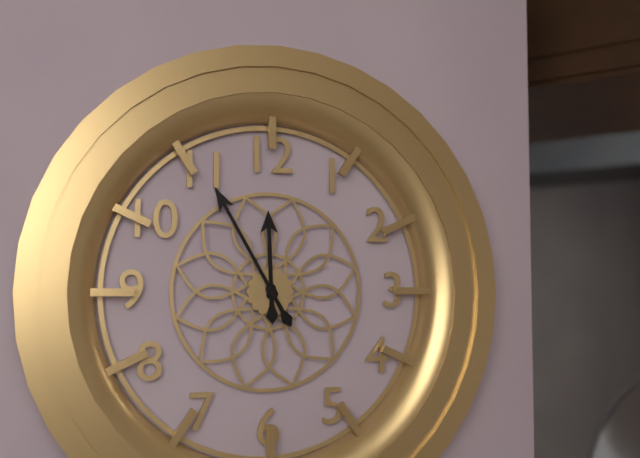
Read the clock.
11:55
